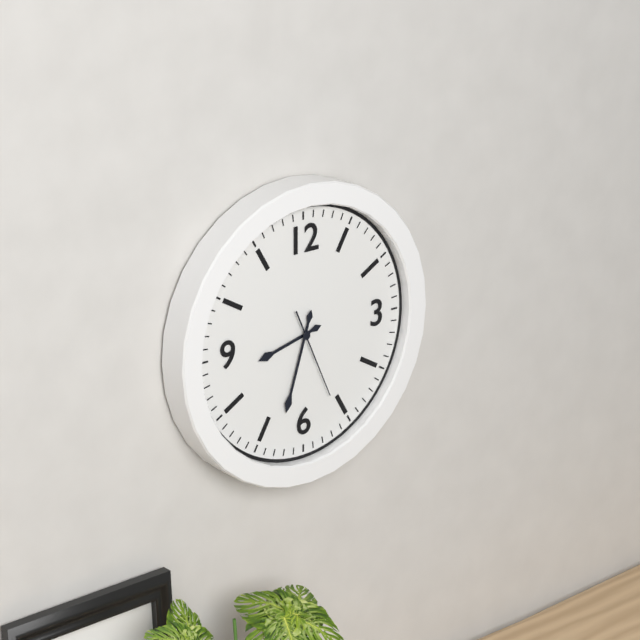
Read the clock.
8:33:26
